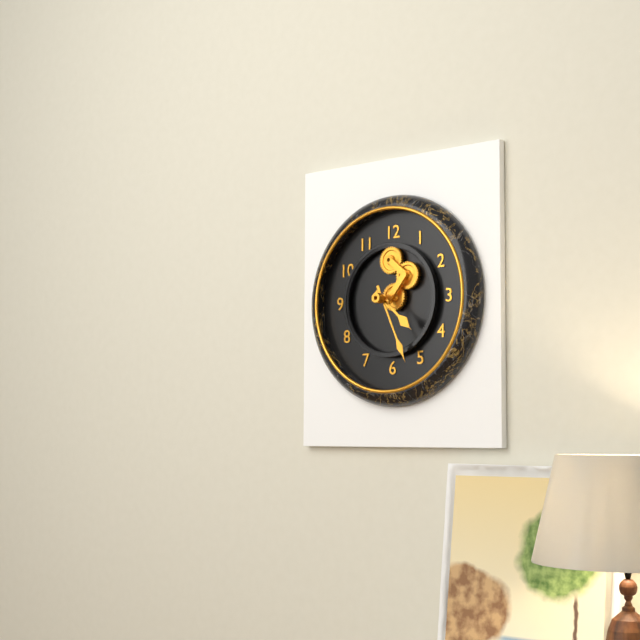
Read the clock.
4:26
